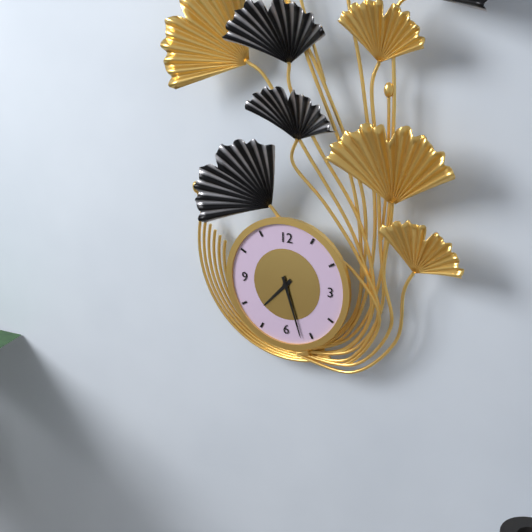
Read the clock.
7:27
